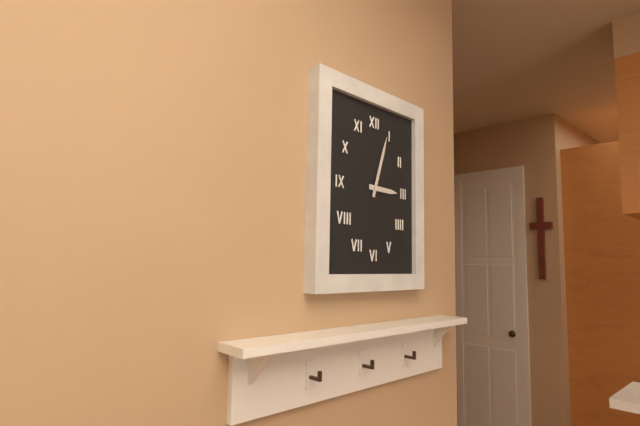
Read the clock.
3:03
